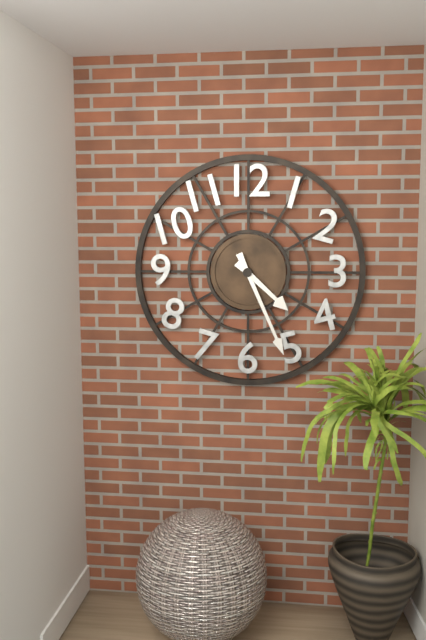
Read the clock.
4:26
